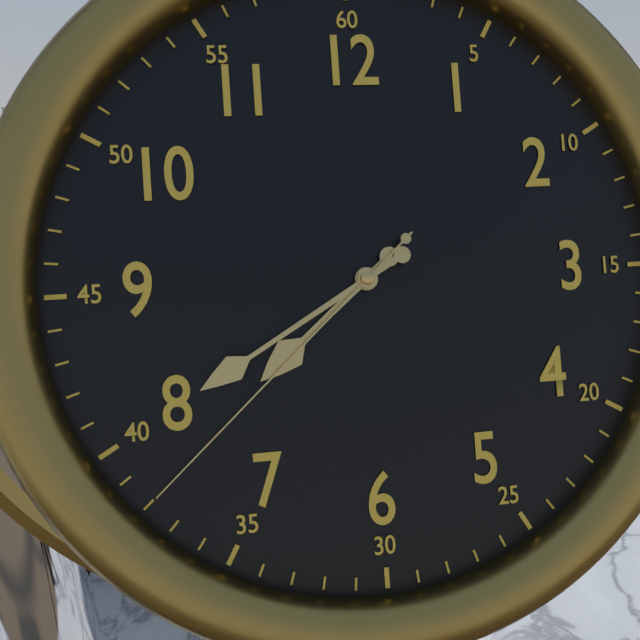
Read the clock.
7:40:38
